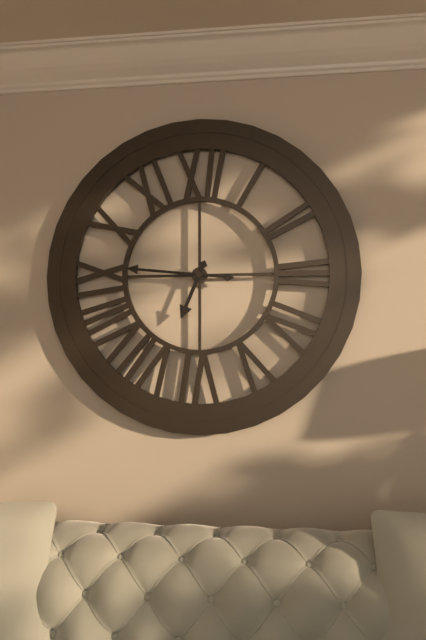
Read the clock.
6:46
